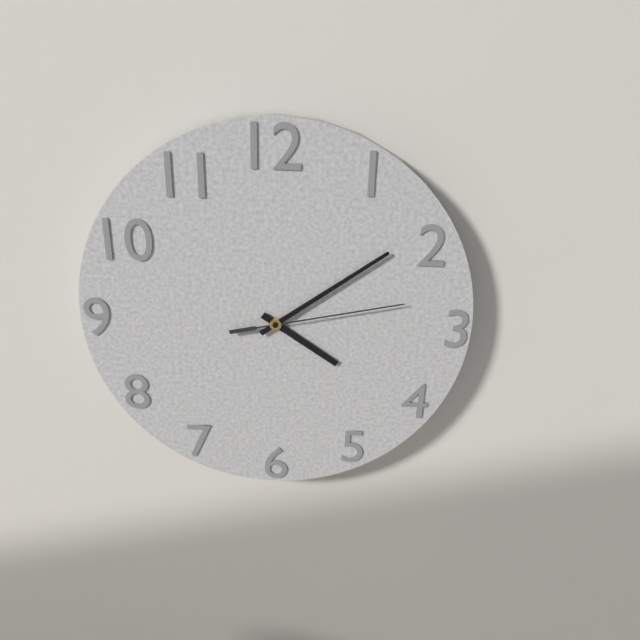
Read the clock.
4:09:13
